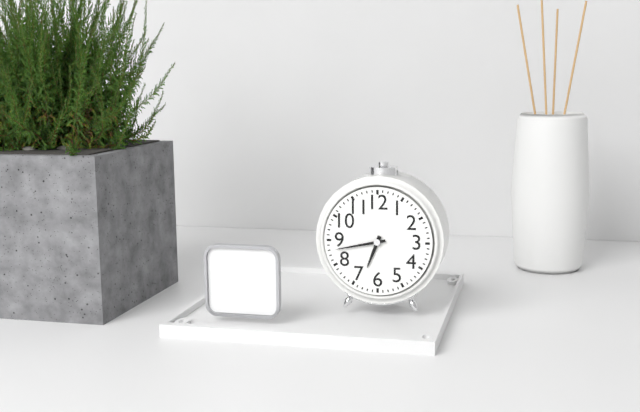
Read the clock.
6:43
